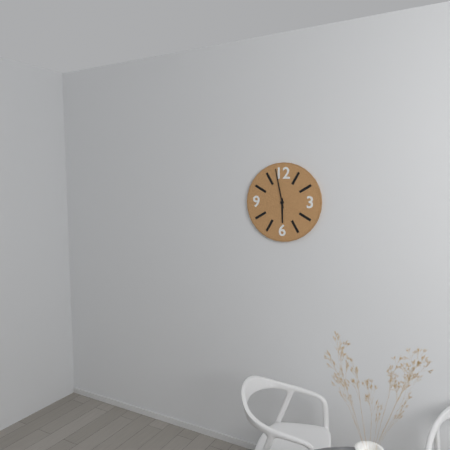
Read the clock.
5:58
